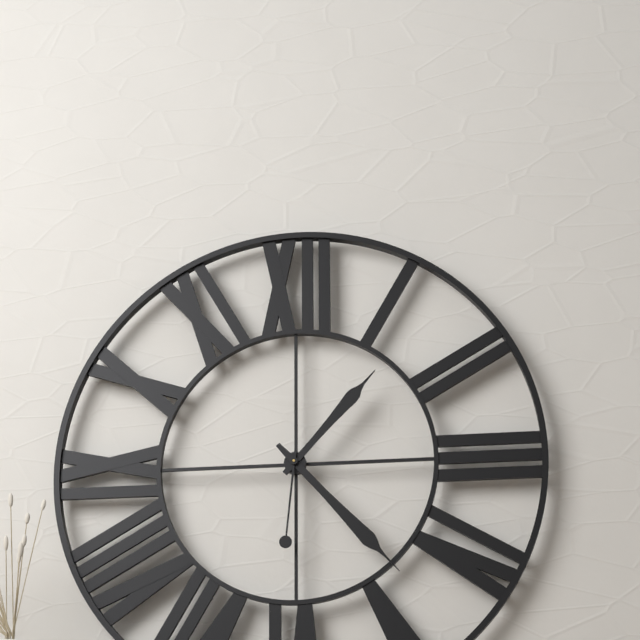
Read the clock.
1:23:31
